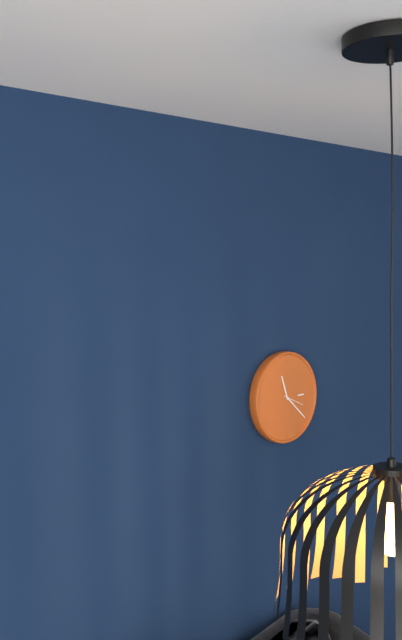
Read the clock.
11:22
